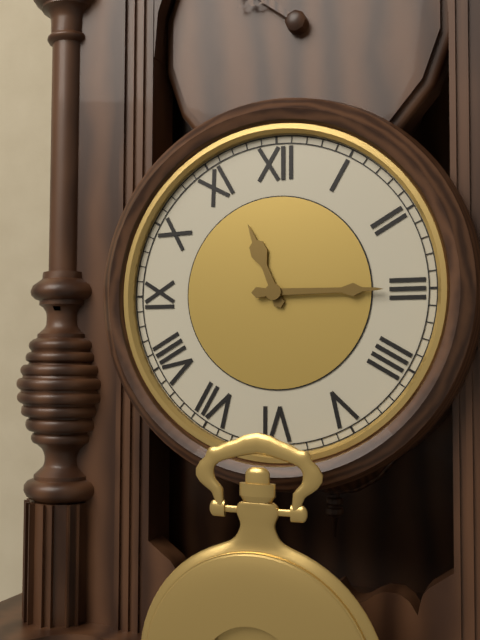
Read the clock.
11:15
